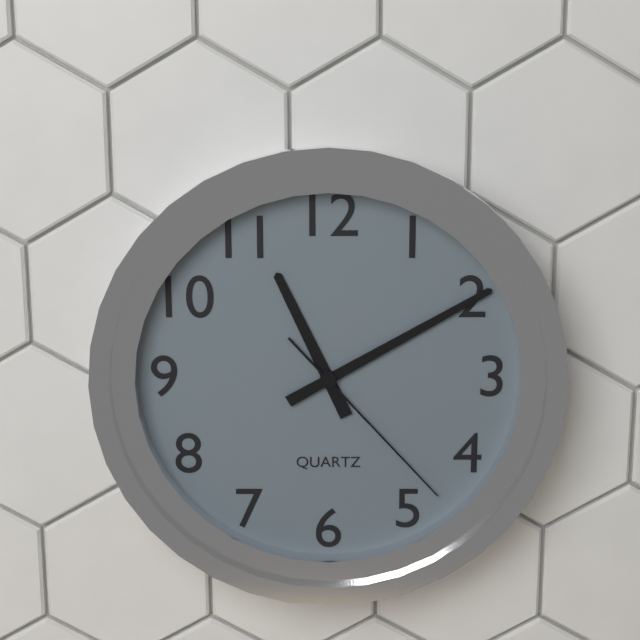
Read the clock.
11:10:23
